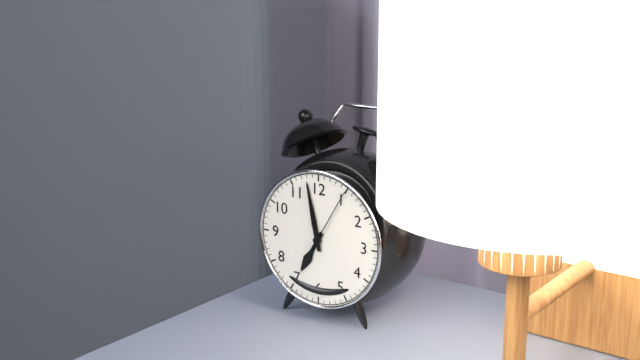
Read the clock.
6:58:05
